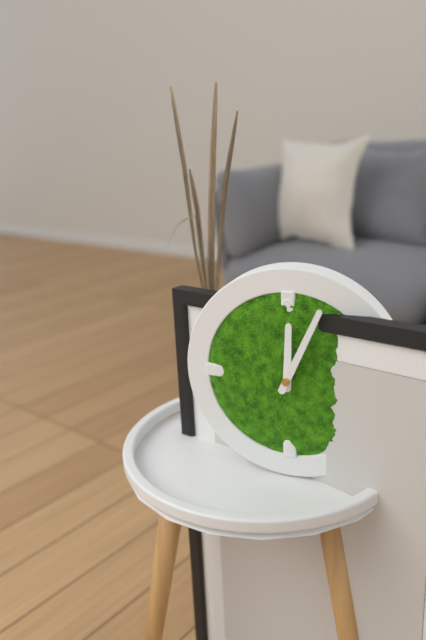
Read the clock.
12:04
